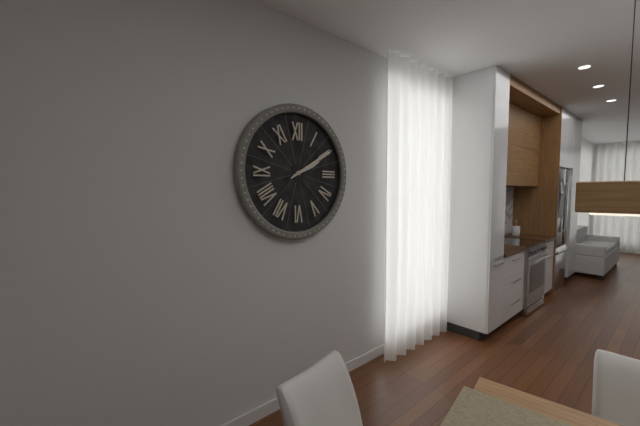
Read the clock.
2:10
